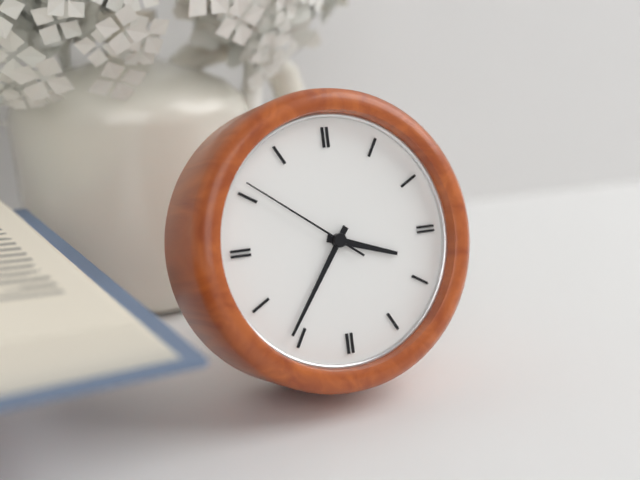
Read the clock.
3:36:51
